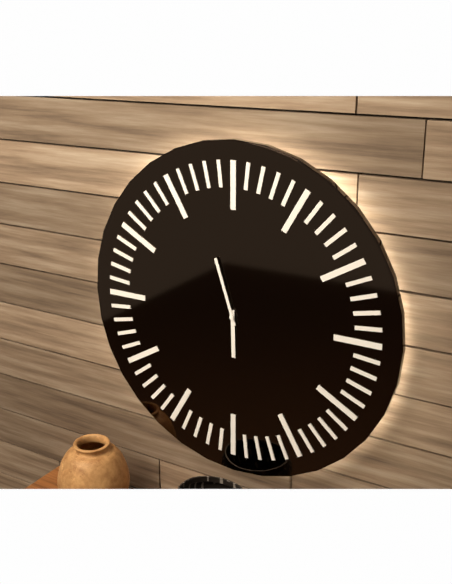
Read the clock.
5:57
